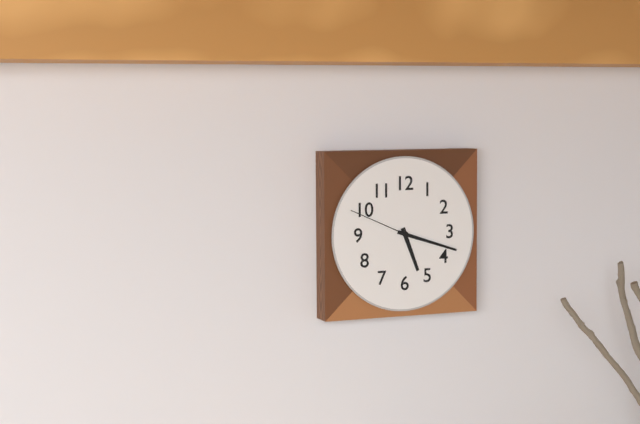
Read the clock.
5:18:49
